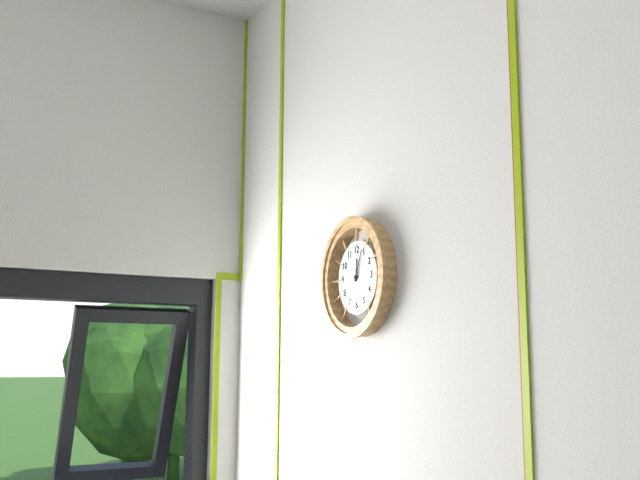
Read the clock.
12:04
